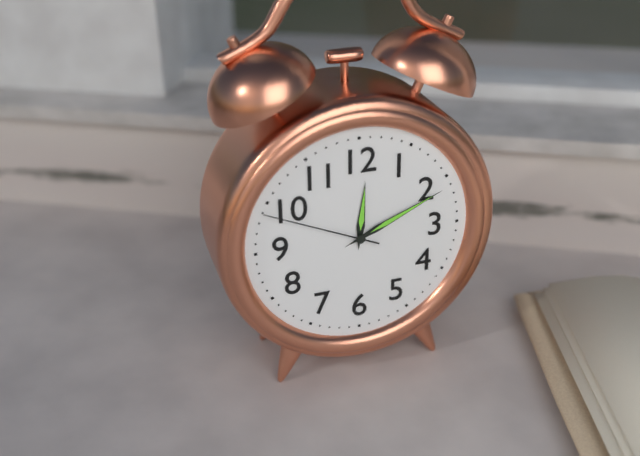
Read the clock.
12:11:49
